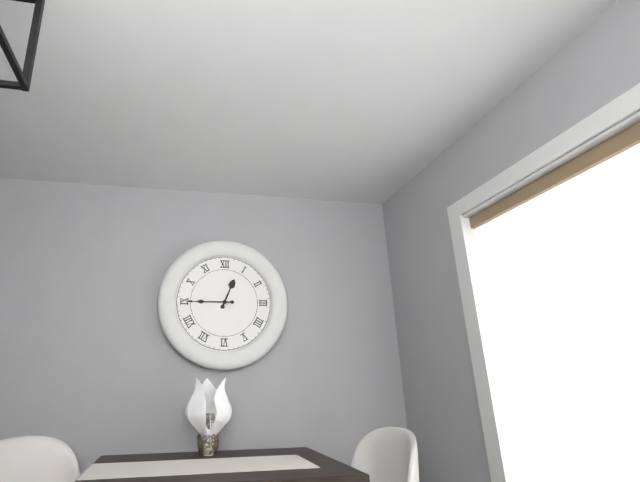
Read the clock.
12:45
